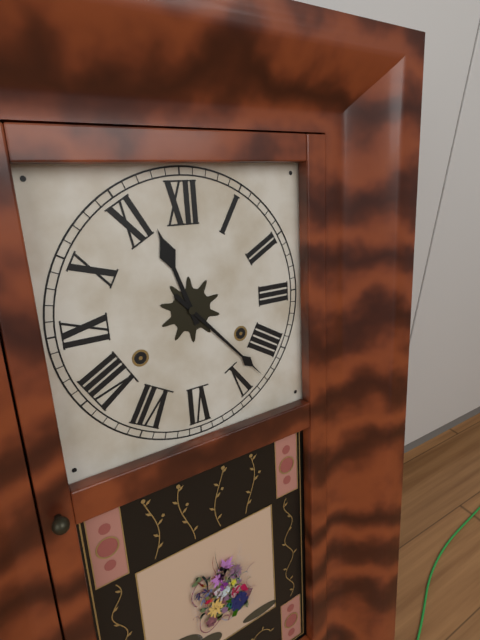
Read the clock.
11:23
